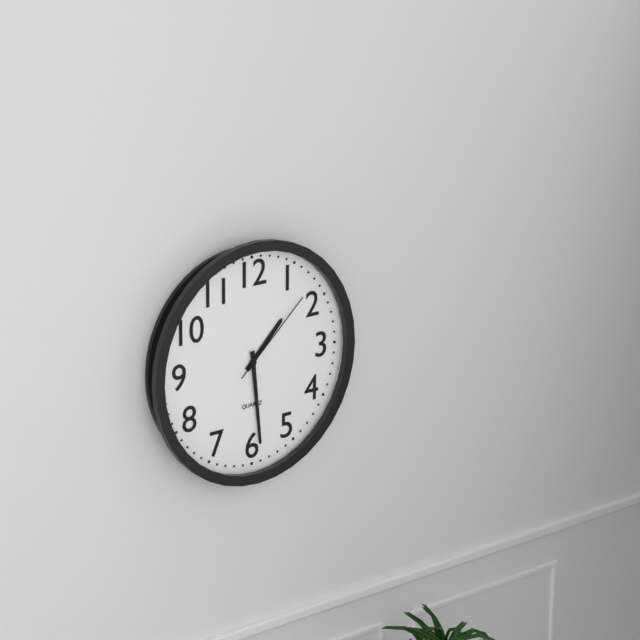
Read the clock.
1:29:08
